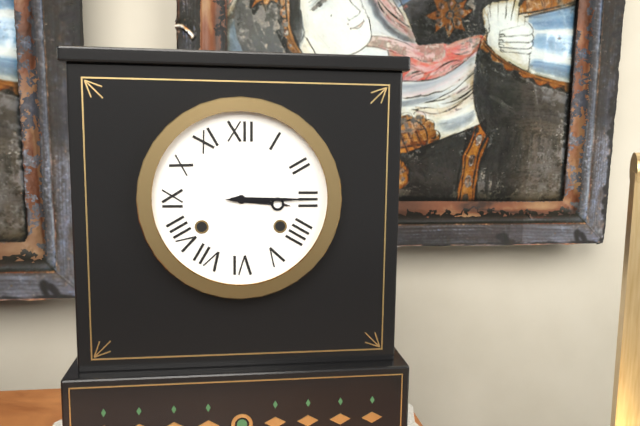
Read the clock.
3:15
